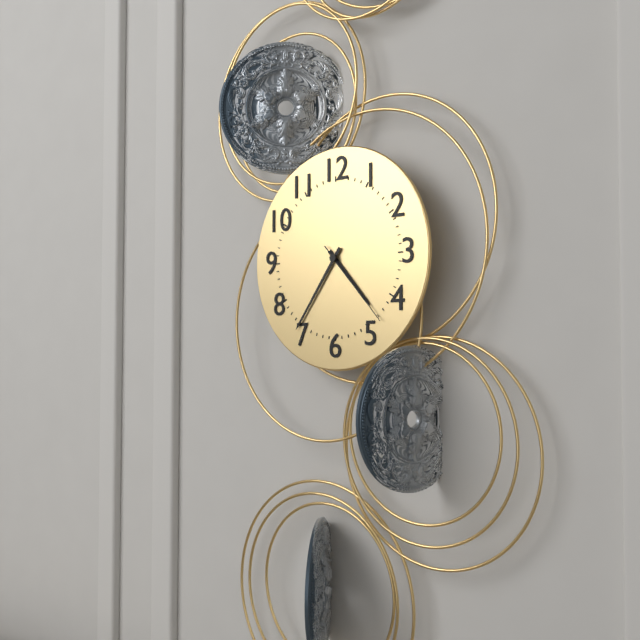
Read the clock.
4:36:23
